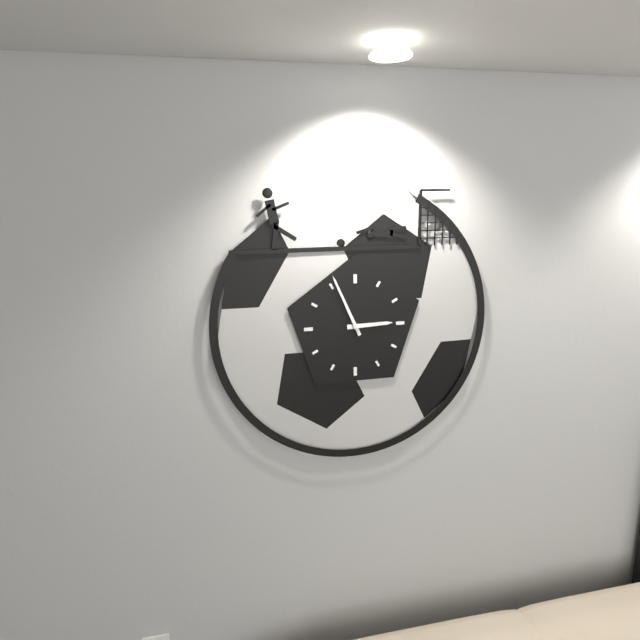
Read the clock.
2:56
